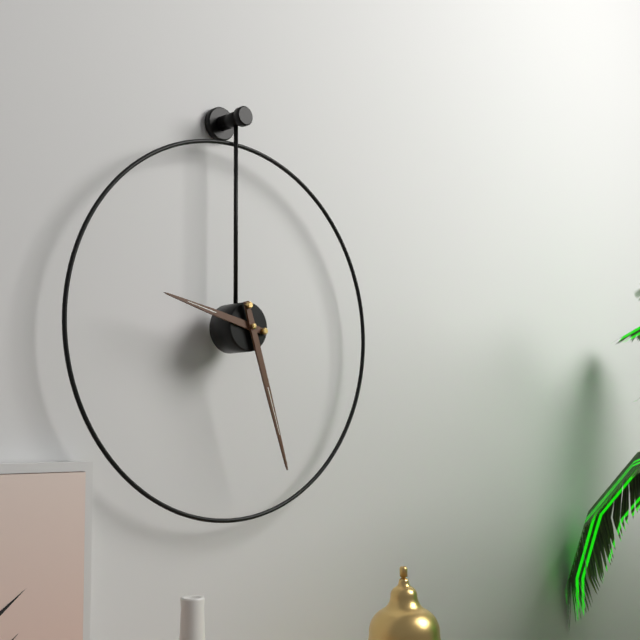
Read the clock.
9:27
